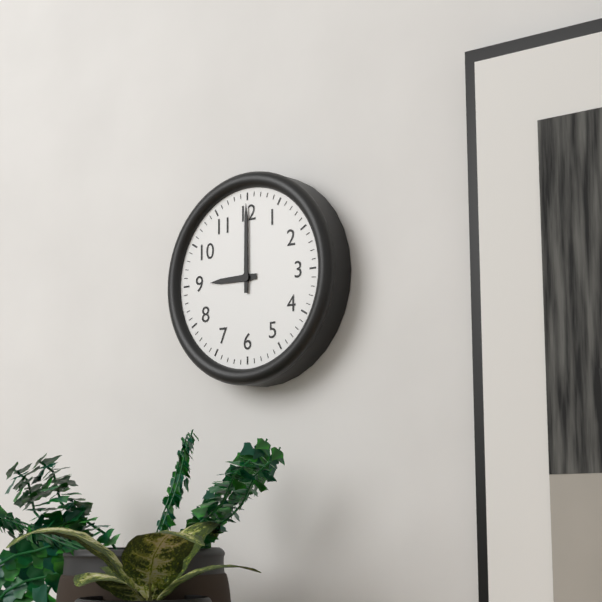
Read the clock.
9:00
